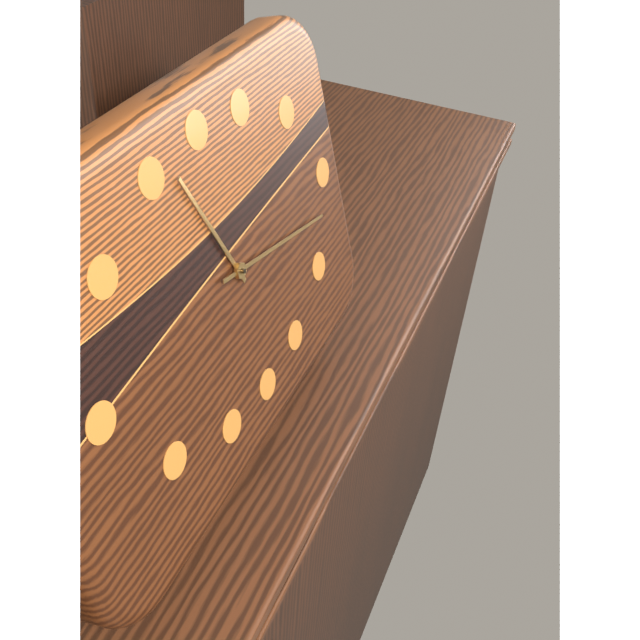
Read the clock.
11:17
